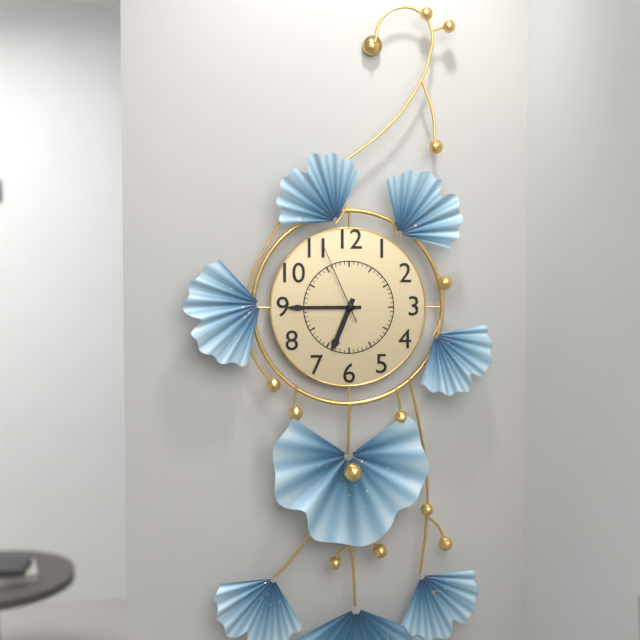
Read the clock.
6:45:56
